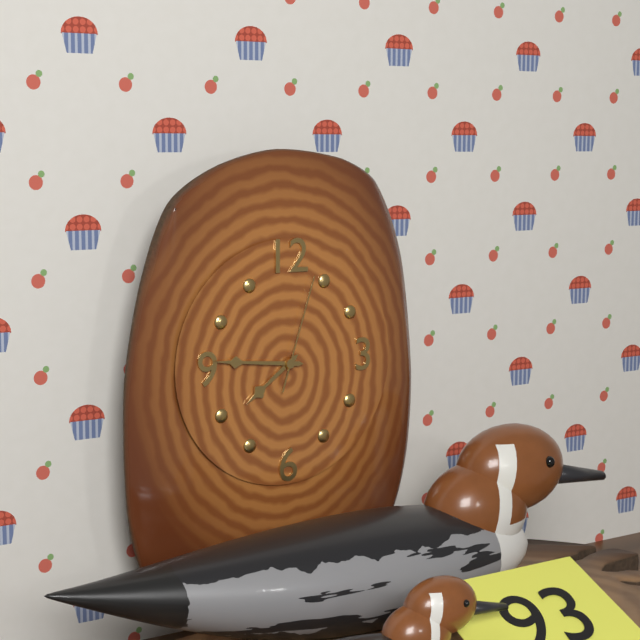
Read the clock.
7:46:03
